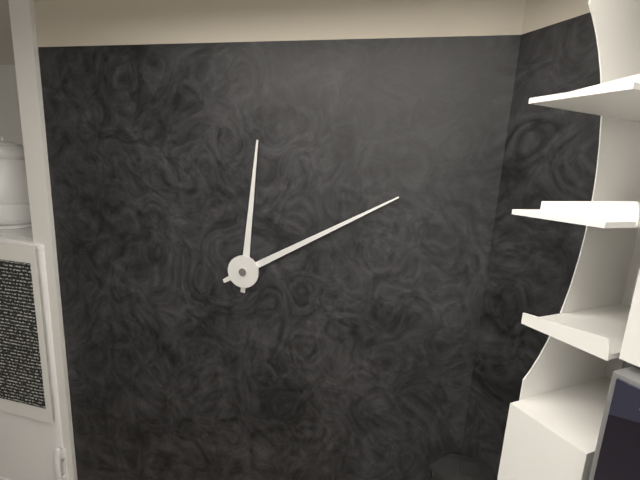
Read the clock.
12:10
